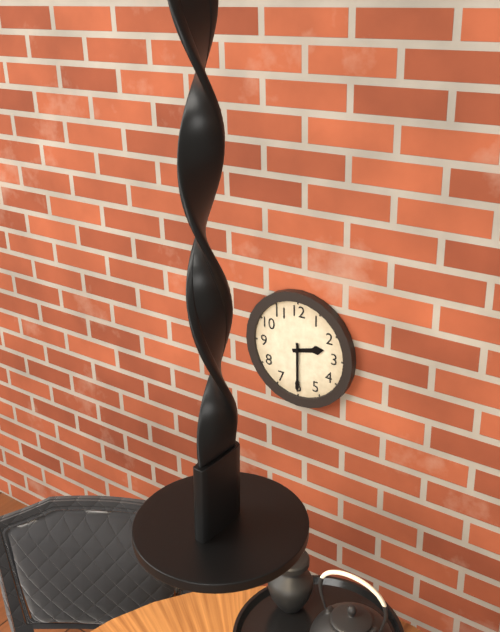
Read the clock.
2:30
